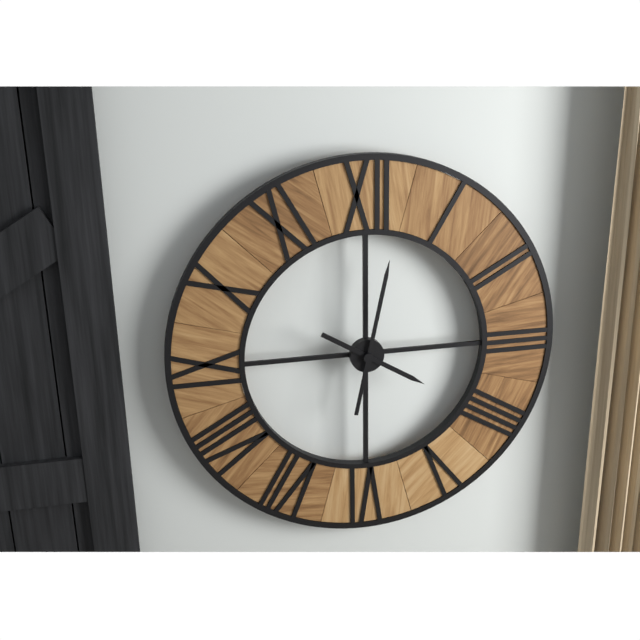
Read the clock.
4:02
